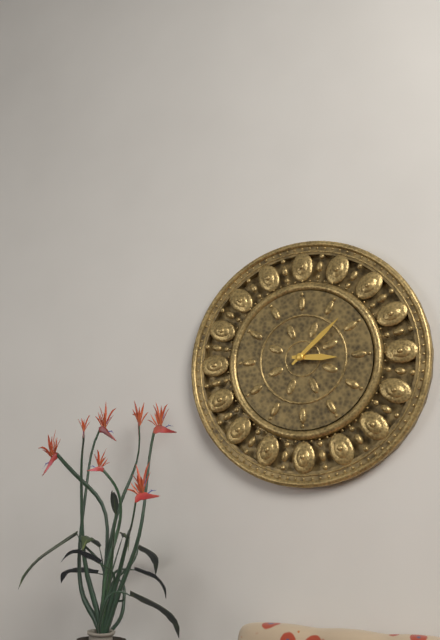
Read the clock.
3:08
